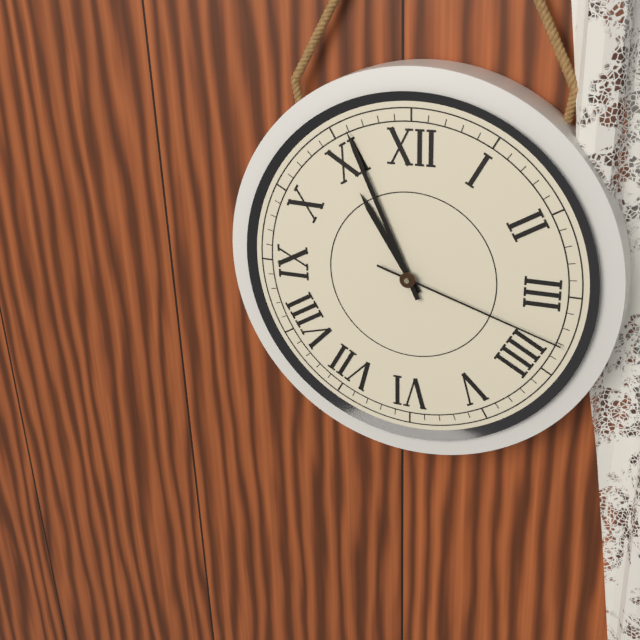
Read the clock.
10:56:18
